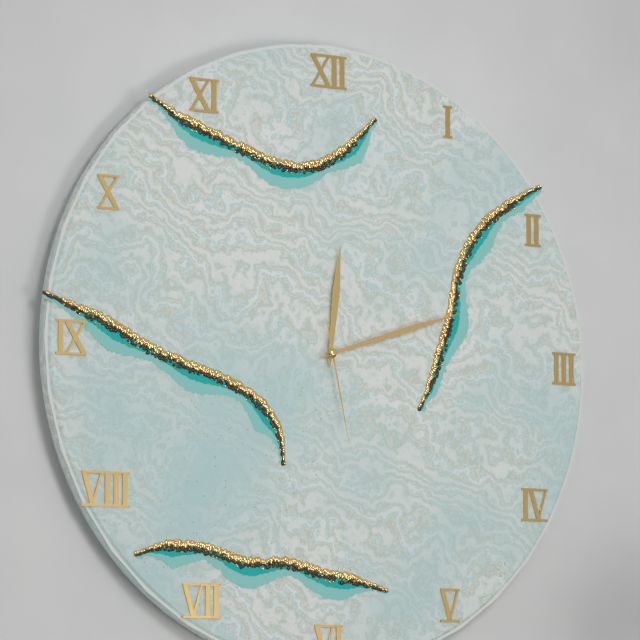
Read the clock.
12:12:28
